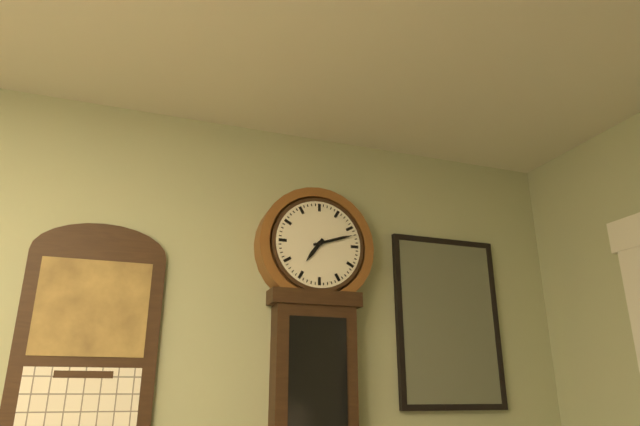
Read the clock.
7:12
